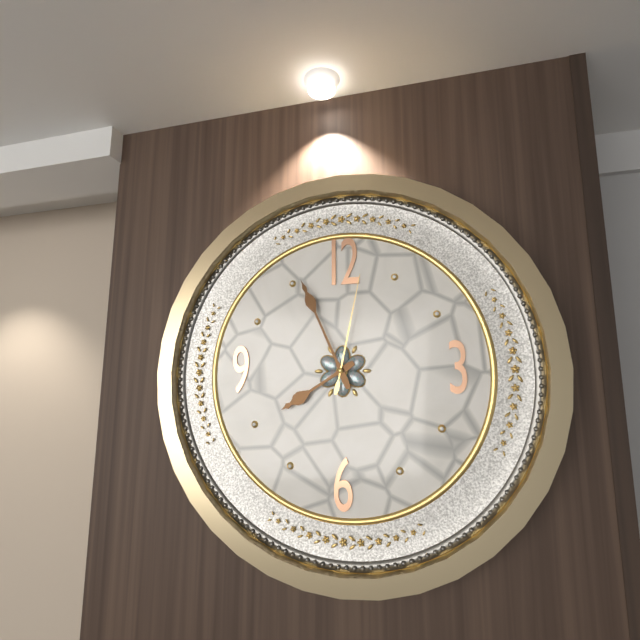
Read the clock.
7:56:02
